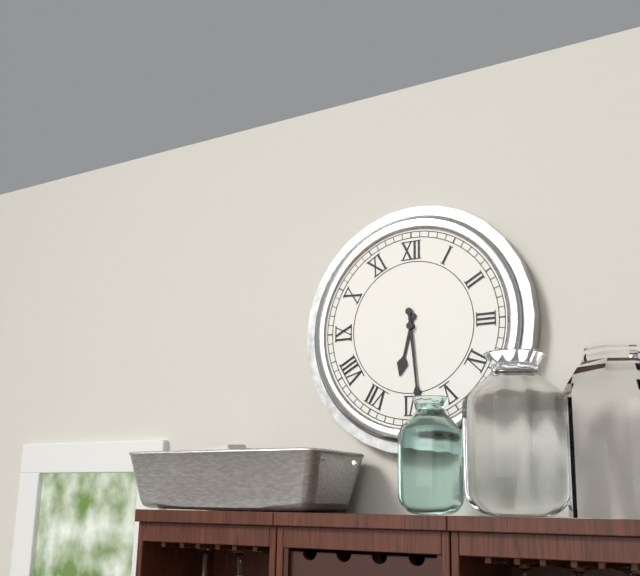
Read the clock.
6:29
